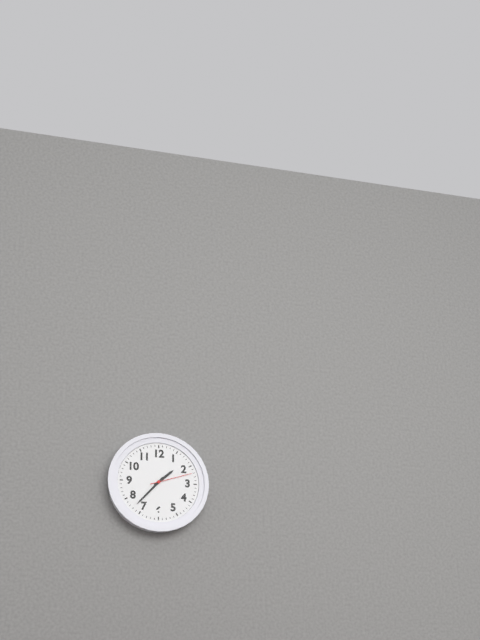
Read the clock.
1:37
